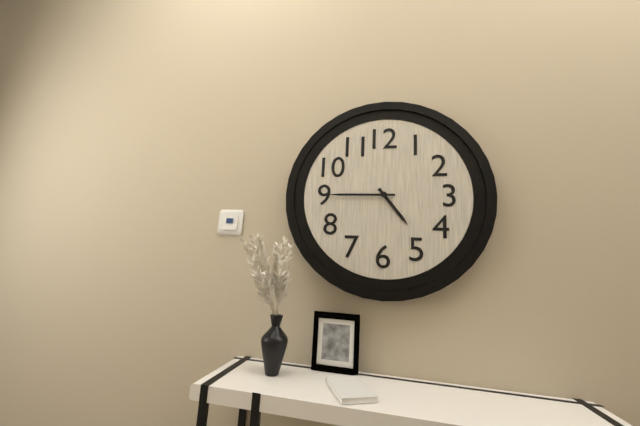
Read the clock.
4:45
